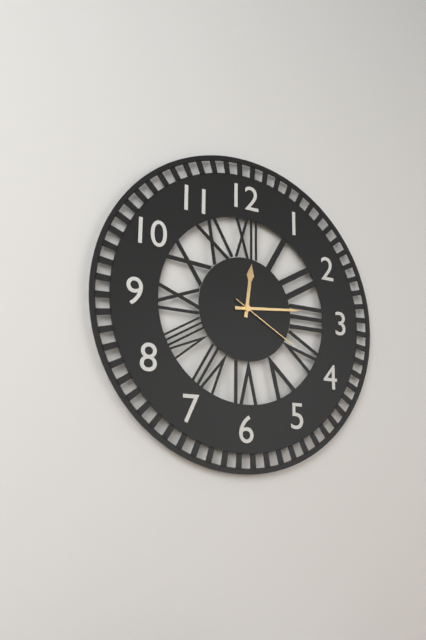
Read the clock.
12:14:20
